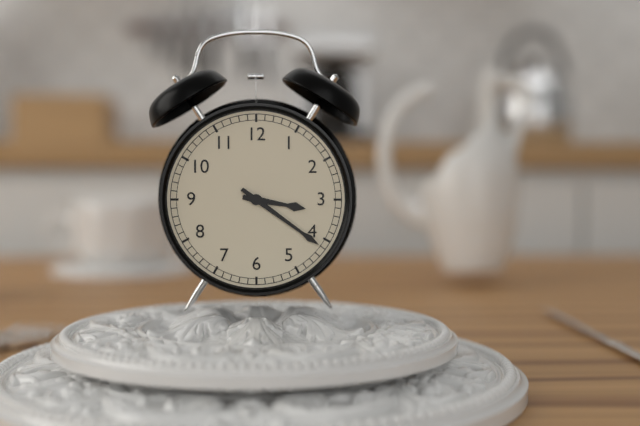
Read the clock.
3:21
